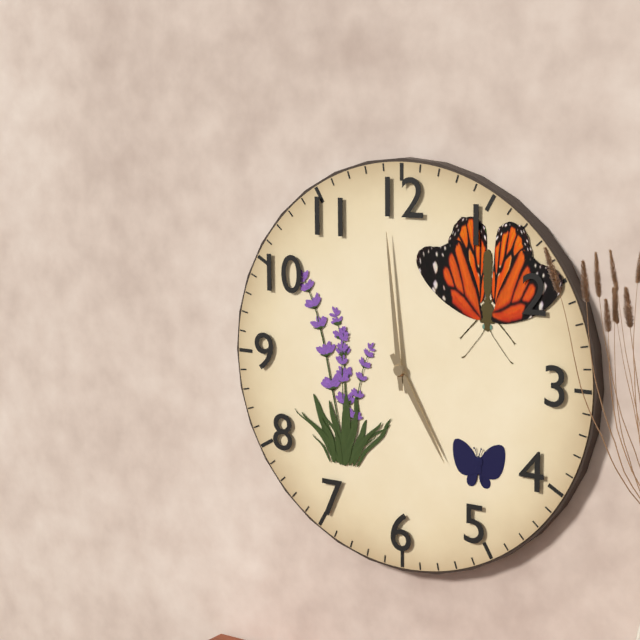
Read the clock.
4:59
